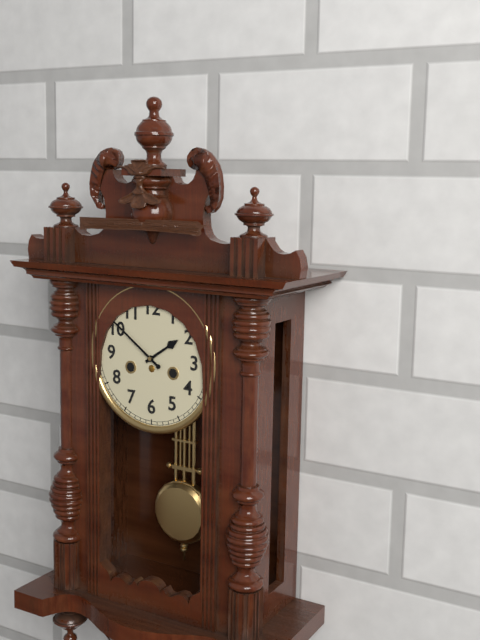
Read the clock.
1:51
